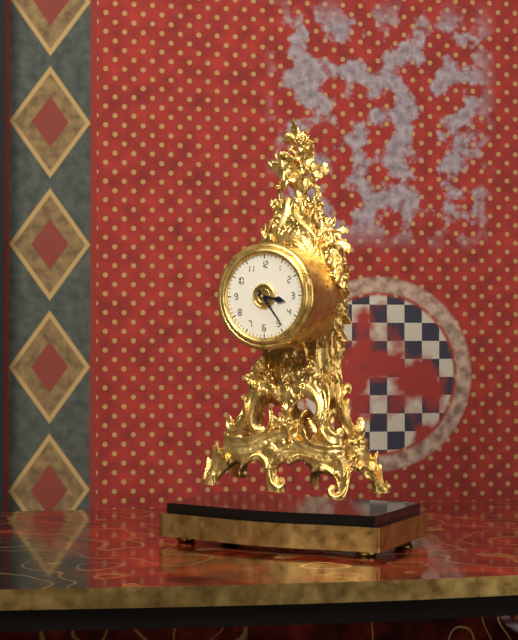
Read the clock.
3:24
